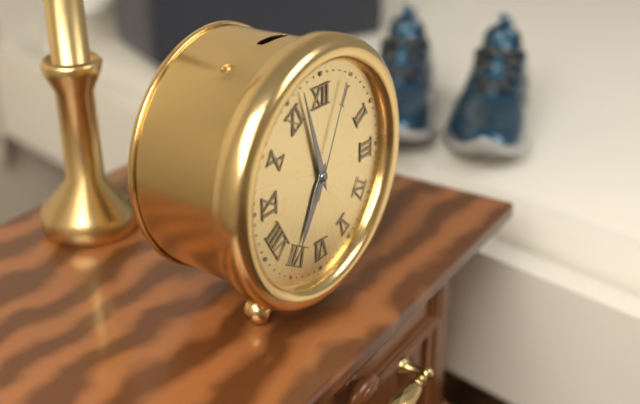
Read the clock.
6:57:04
